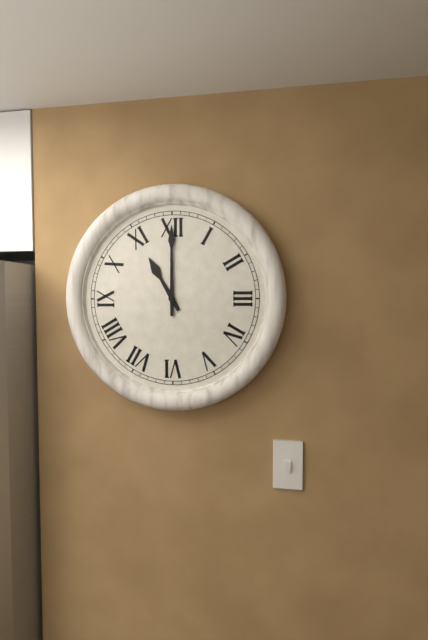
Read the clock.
11:00
